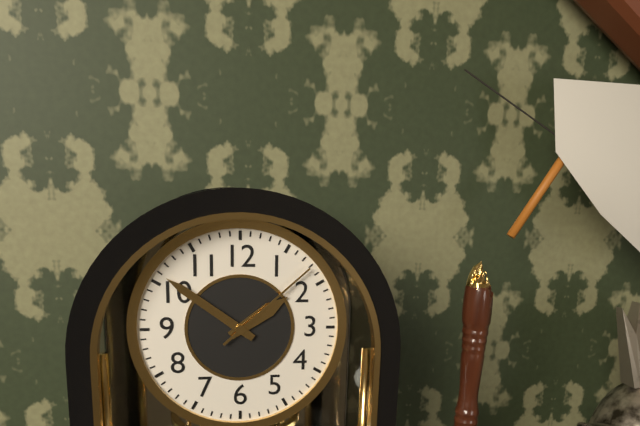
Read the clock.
1:51:08
